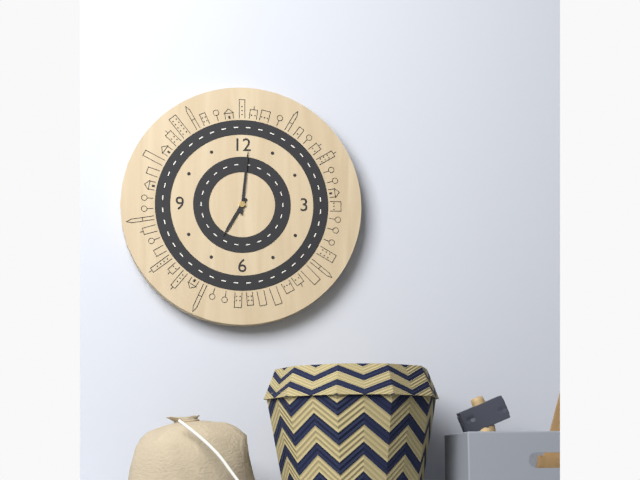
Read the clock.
7:01
